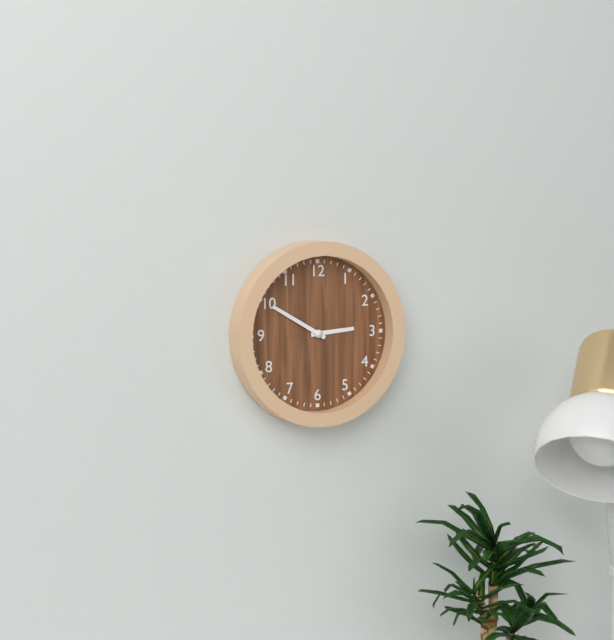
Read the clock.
2:50
